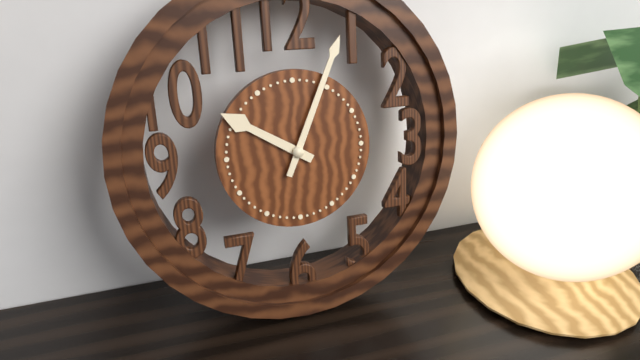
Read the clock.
10:04
